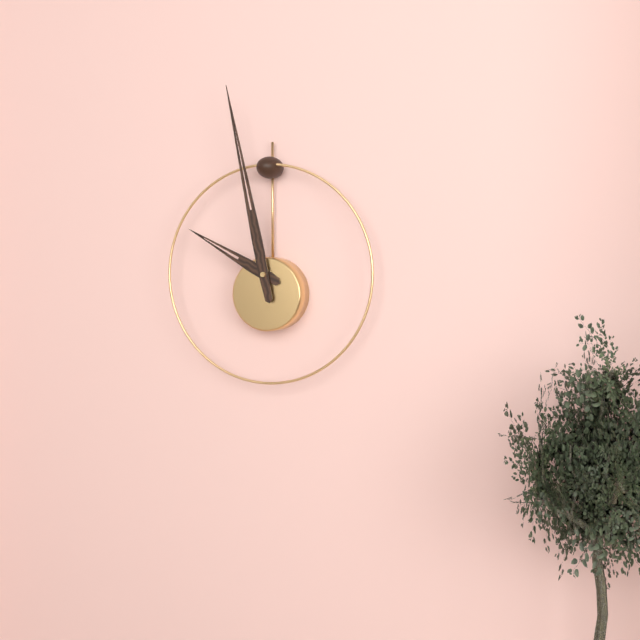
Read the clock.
9:58
